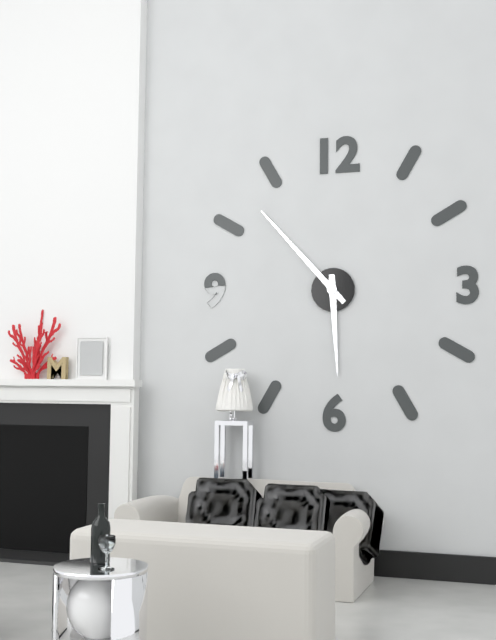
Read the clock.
5:53
